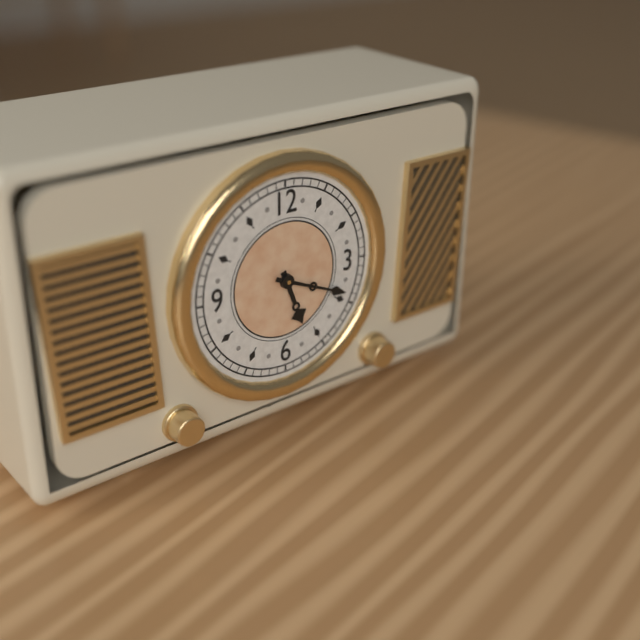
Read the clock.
5:19
